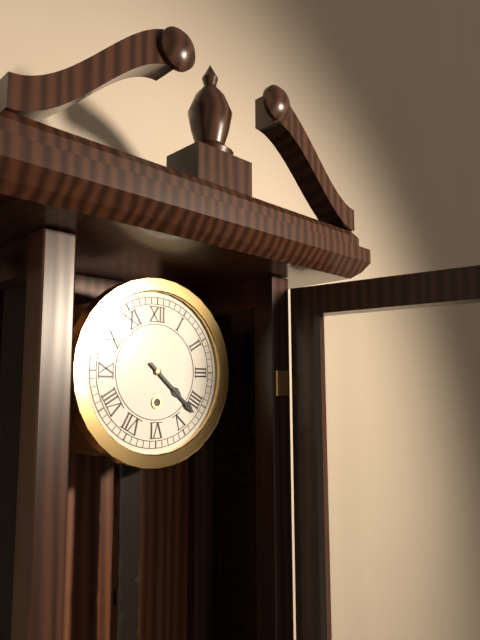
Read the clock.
4:22
